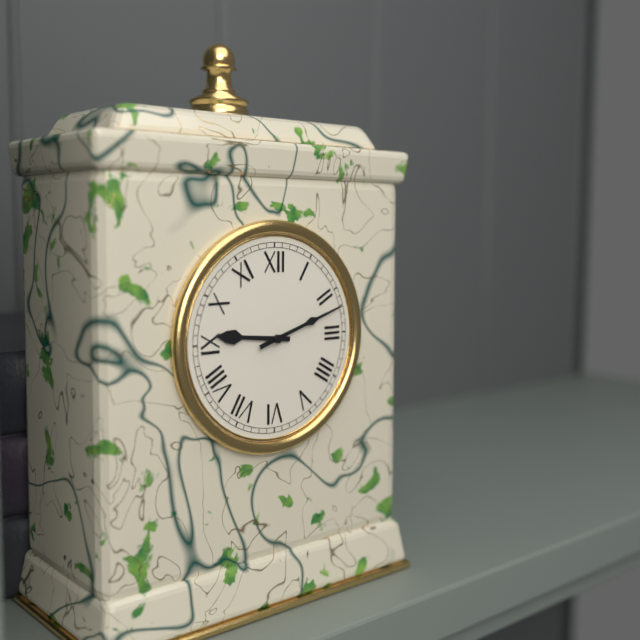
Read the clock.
9:12
